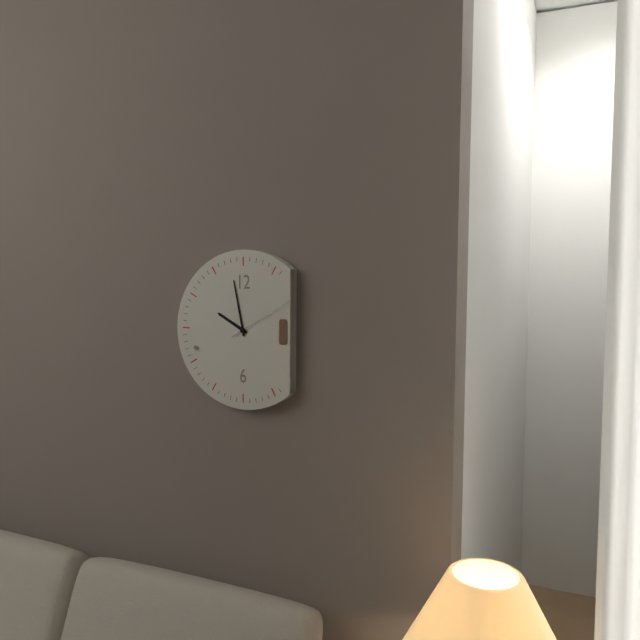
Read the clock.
9:58:10
